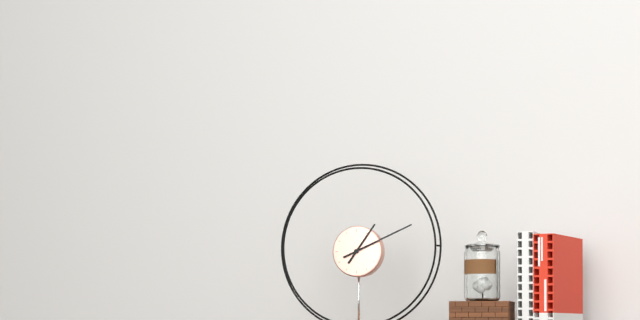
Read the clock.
1:11
